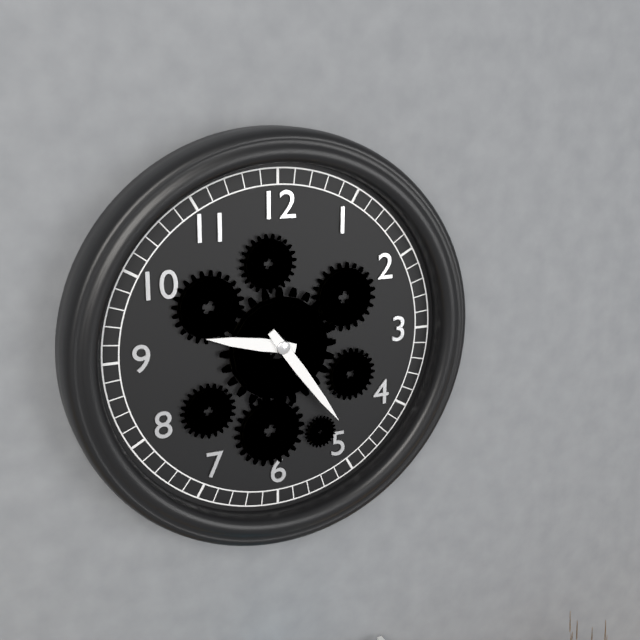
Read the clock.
9:24
